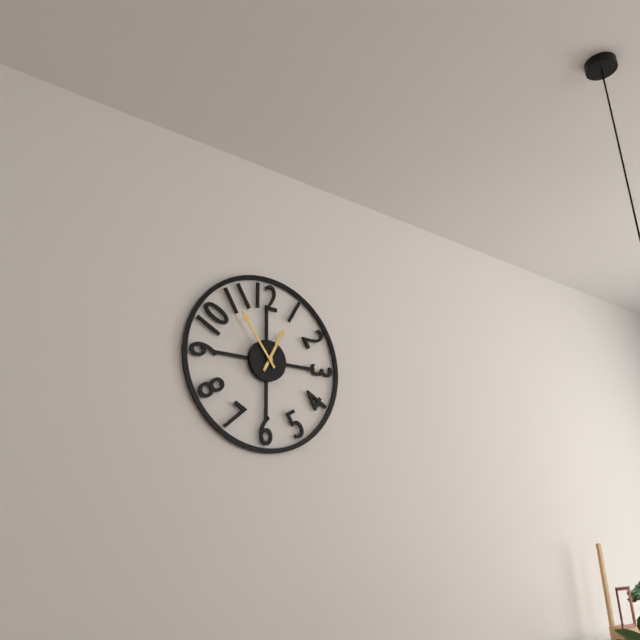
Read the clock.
12:54
